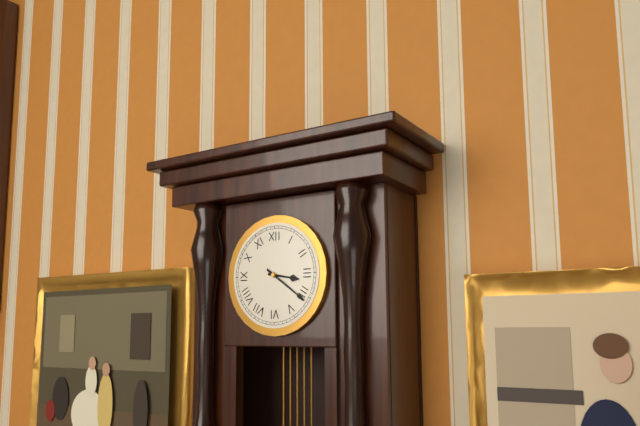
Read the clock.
3:21
